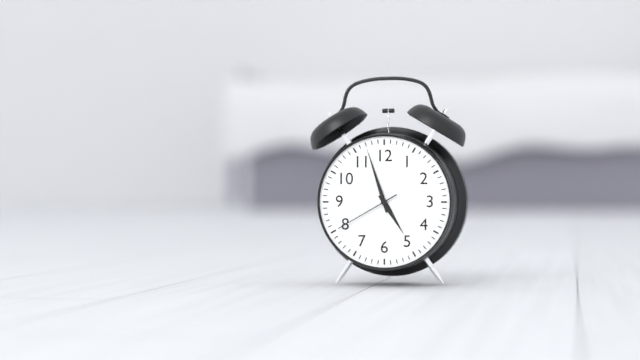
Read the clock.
4:57:40
